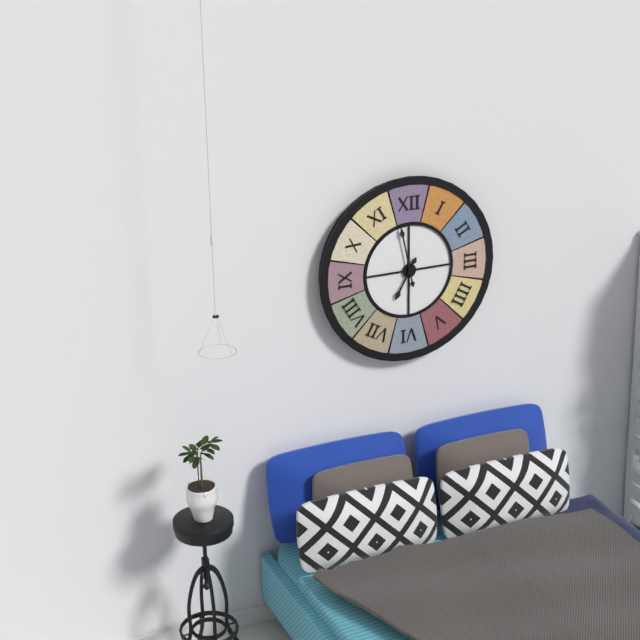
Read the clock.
6:58
